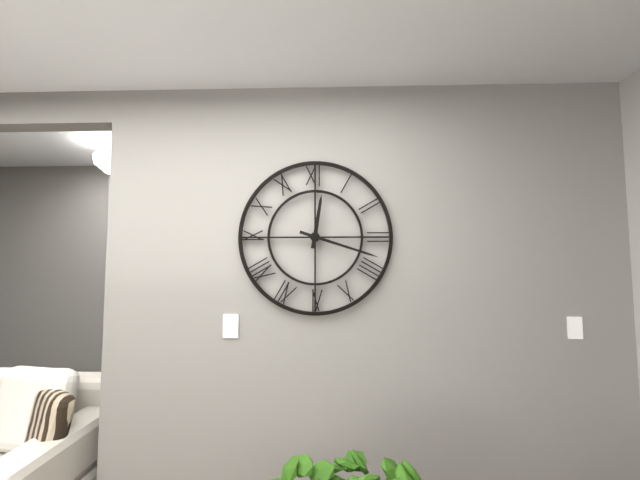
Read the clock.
12:18
